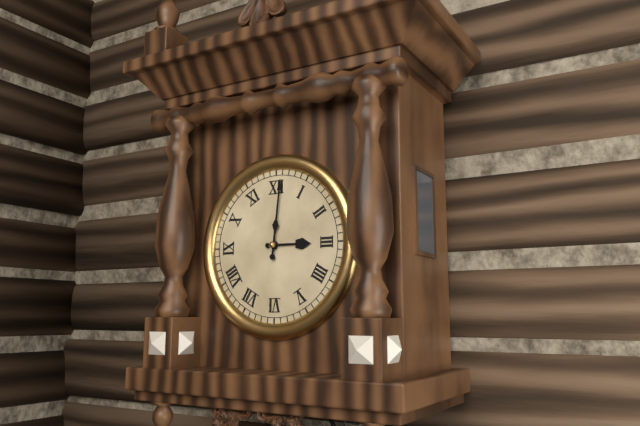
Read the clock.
3:01
